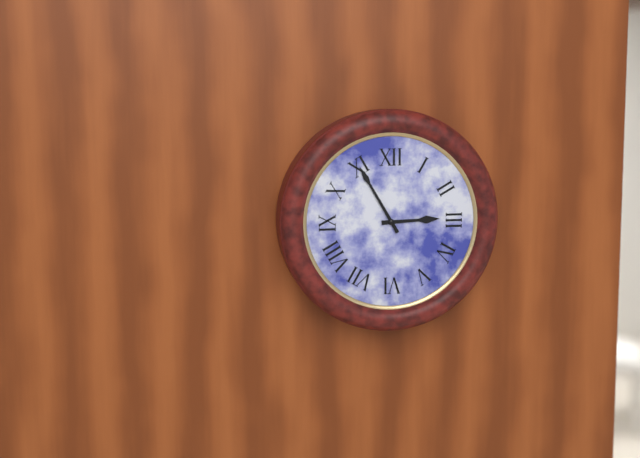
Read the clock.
2:55
